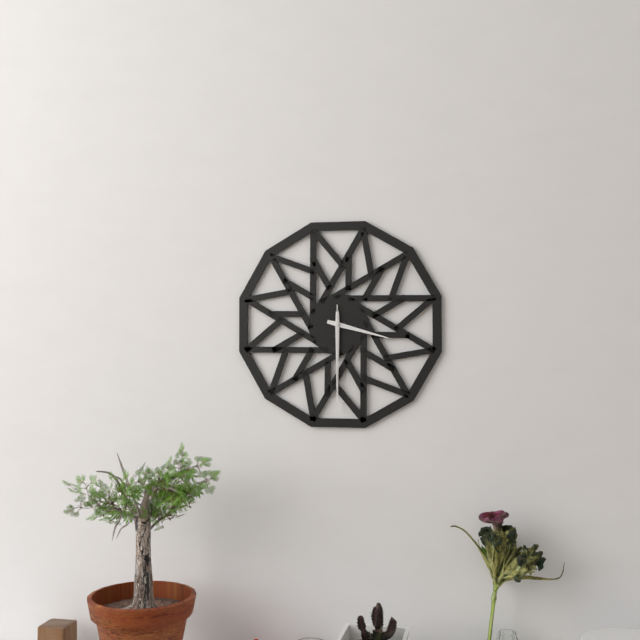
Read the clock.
3:30:30
